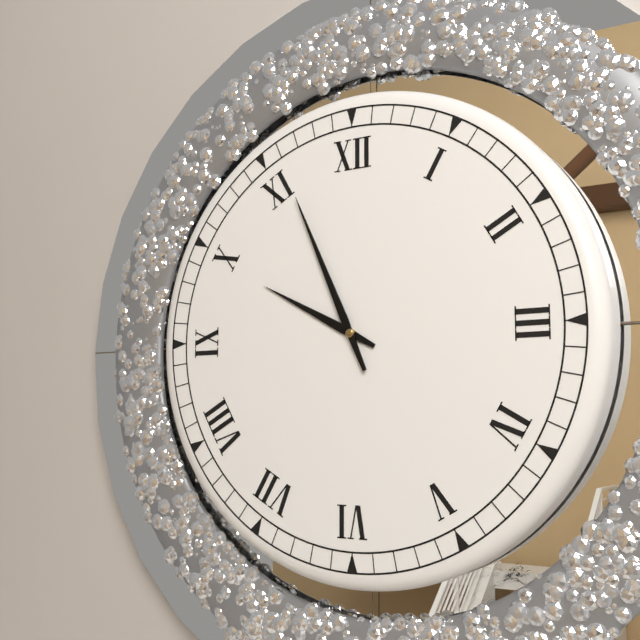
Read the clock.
9:56
